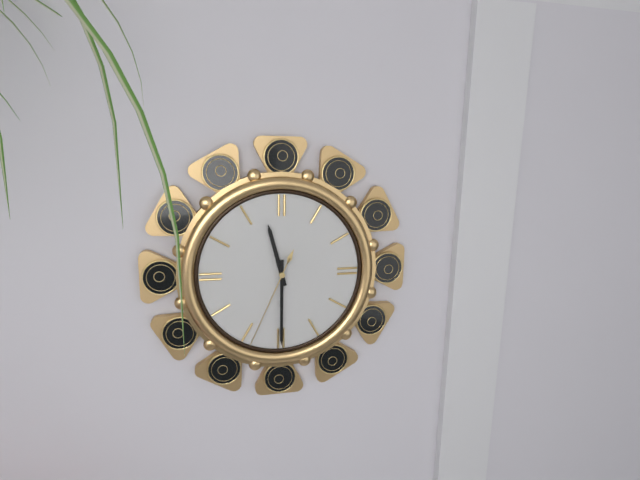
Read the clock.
11:30:34
